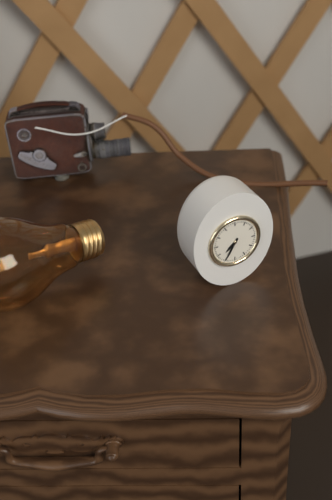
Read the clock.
7:35
